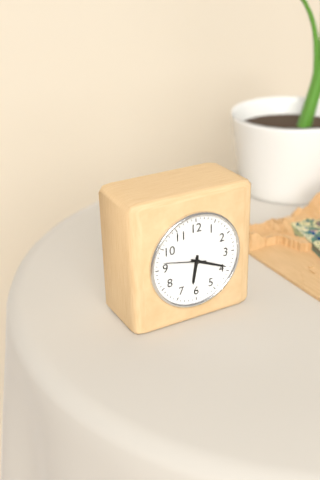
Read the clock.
6:19
